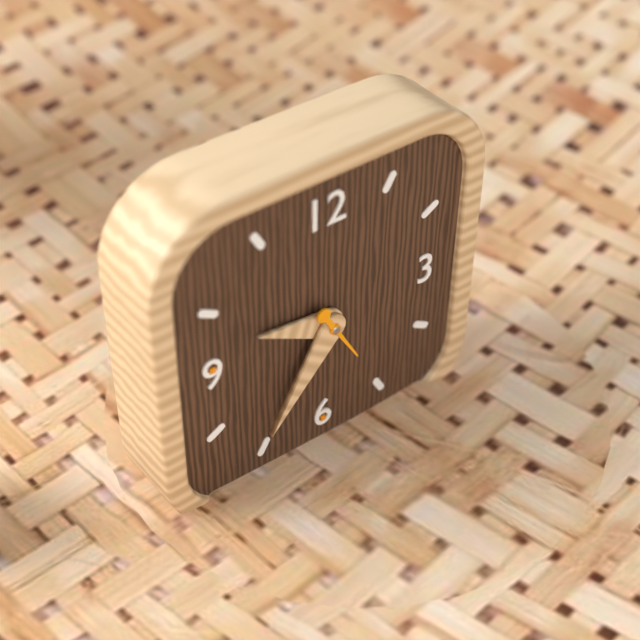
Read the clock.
9:36:25
